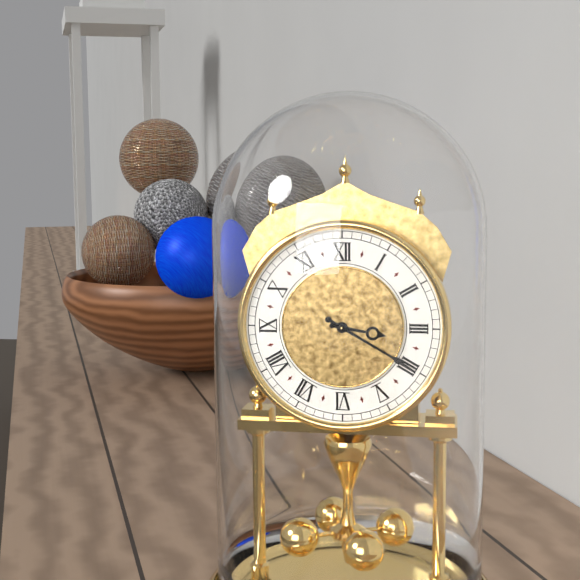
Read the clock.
3:20
